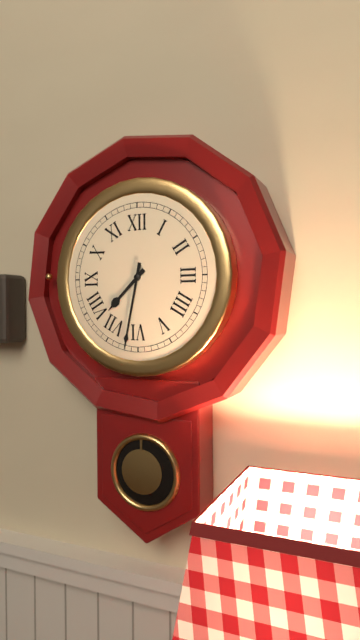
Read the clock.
7:32
